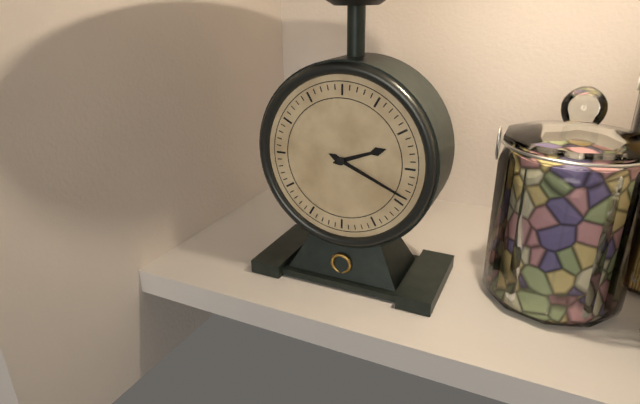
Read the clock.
2:19
